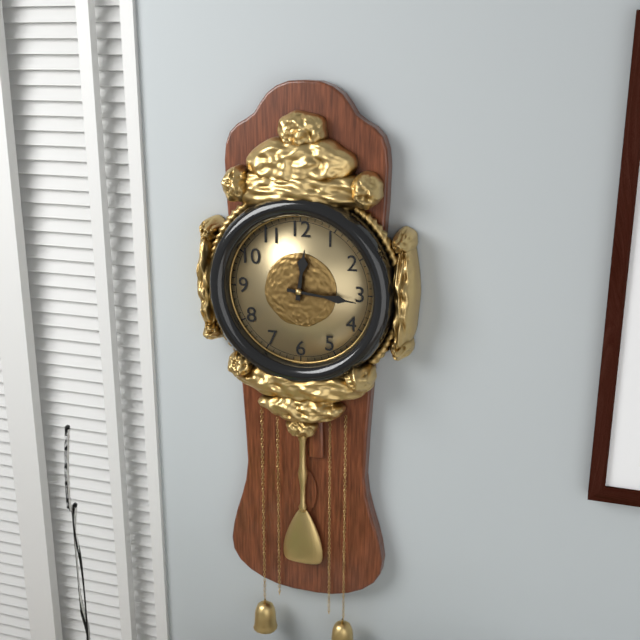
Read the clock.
12:16
